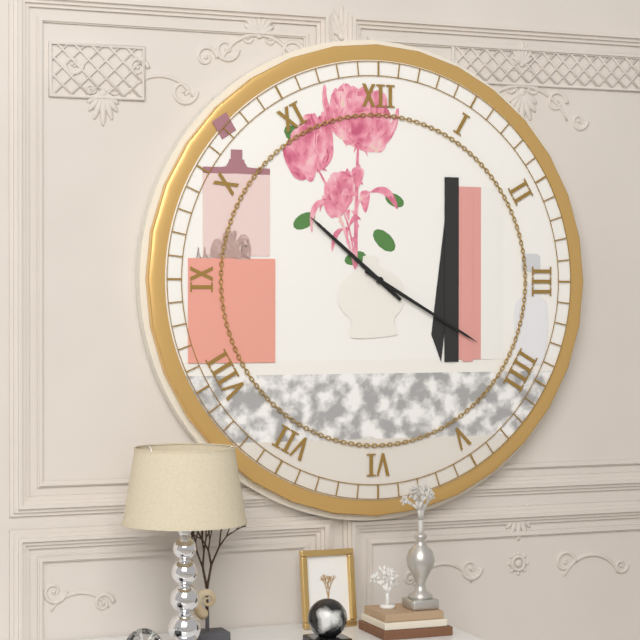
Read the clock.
10:20
